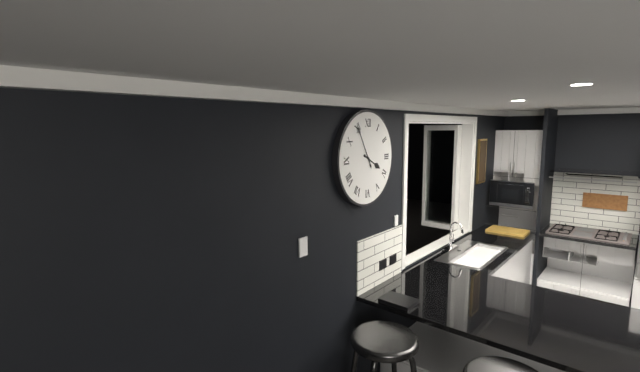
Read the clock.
3:55
